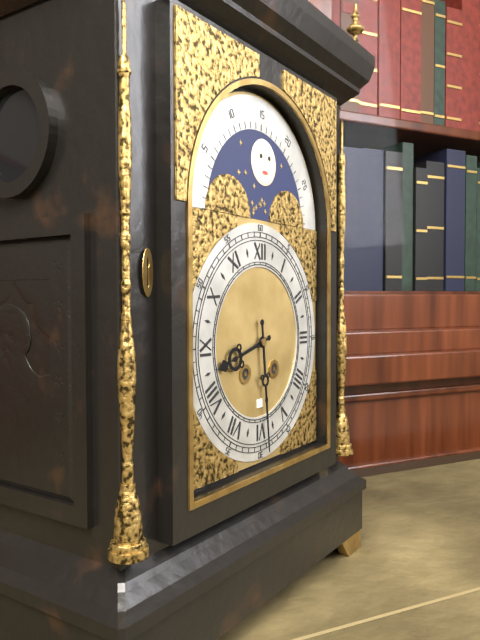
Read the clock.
8:29
